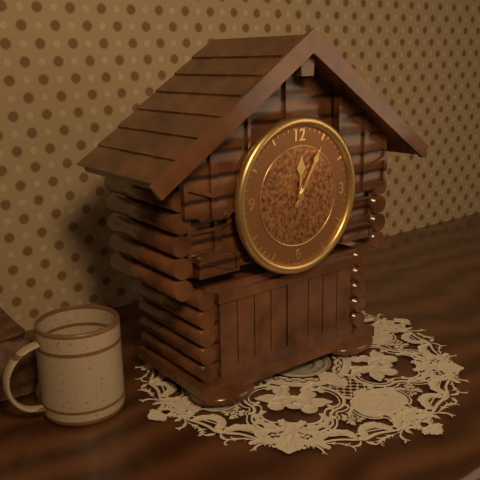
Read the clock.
12:05
